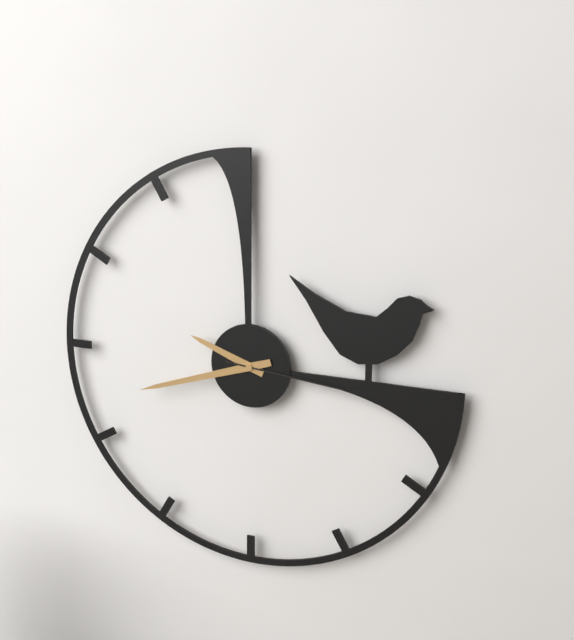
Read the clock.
9:42:16
